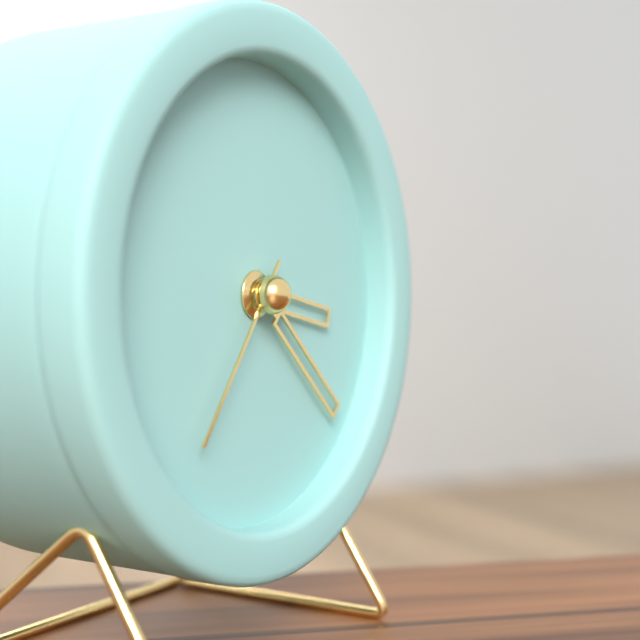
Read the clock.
3:22:36
